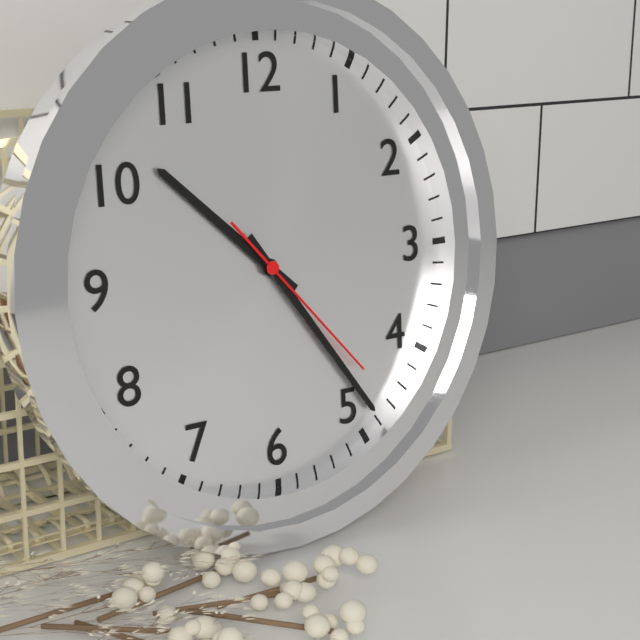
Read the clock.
10:24:23
